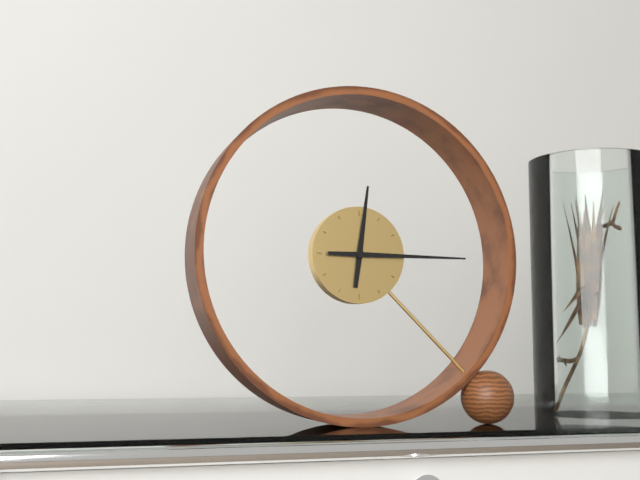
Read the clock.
12:15
